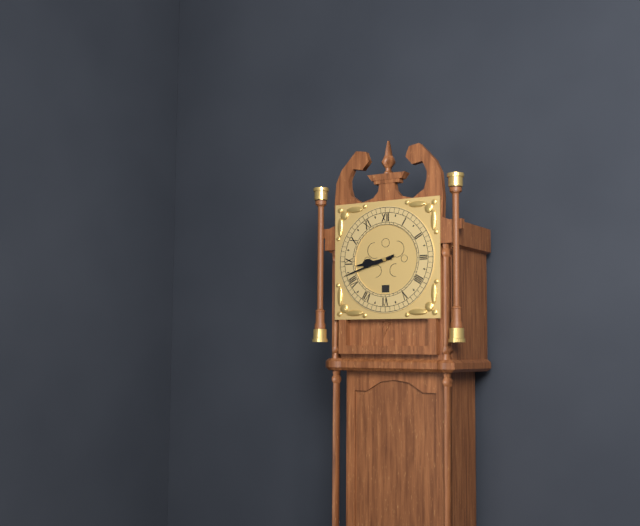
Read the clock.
8:42
